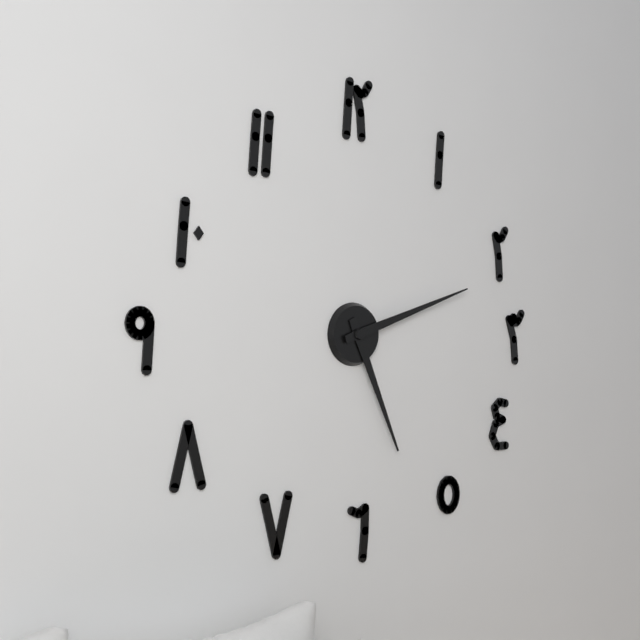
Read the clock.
5:12
